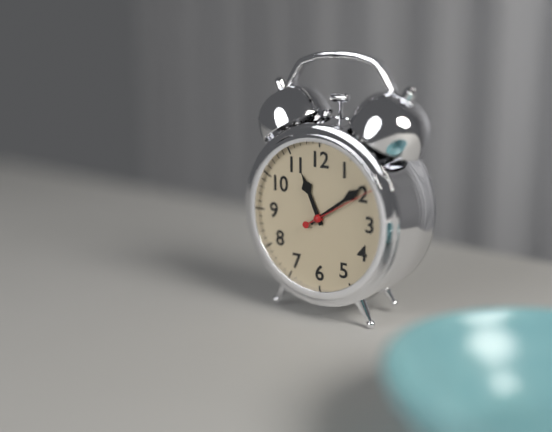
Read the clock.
11:09:10
